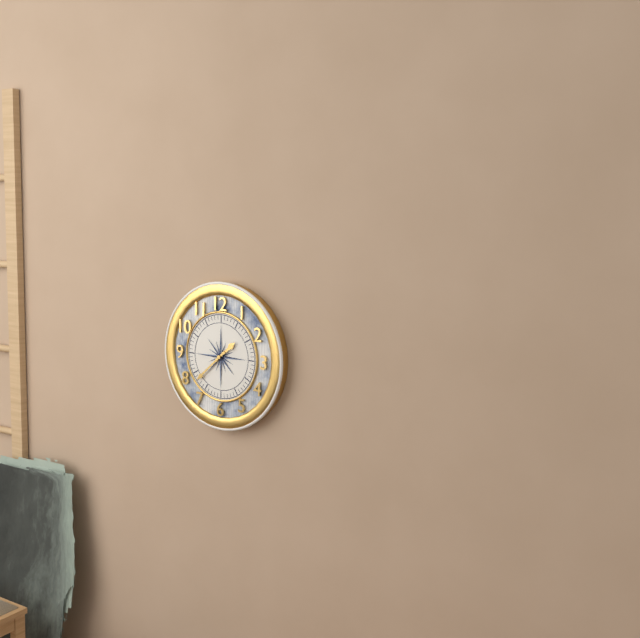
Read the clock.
1:38
